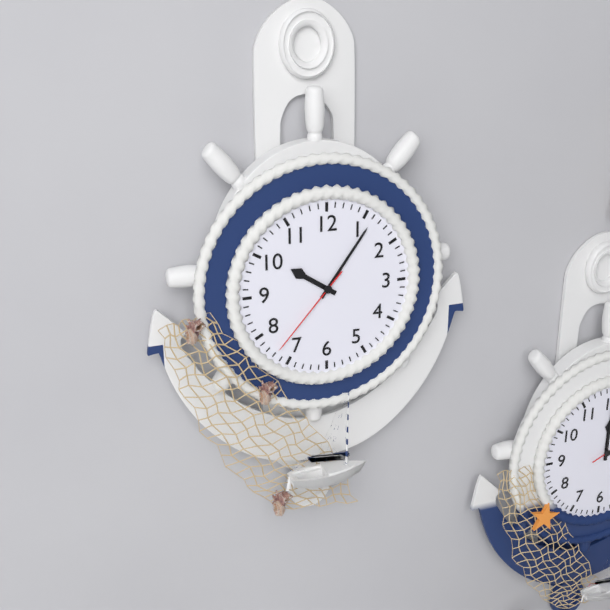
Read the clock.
10:06:37
